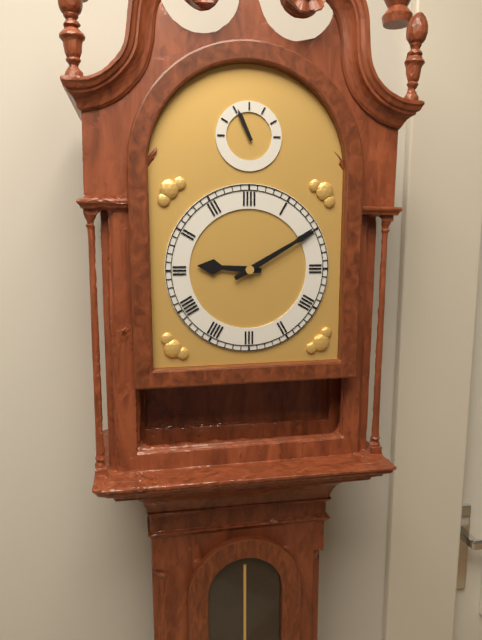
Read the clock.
9:10
